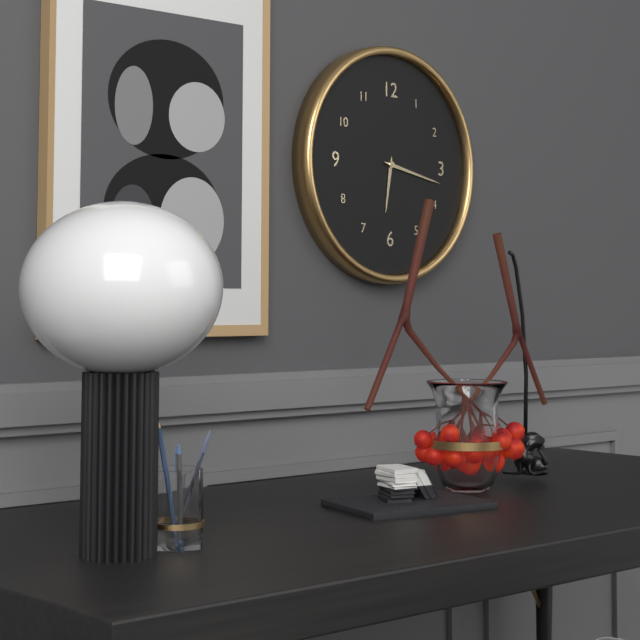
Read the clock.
6:17
